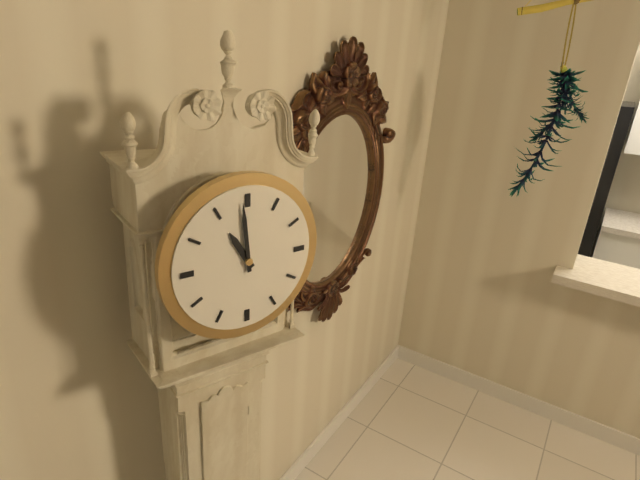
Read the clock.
10:59
